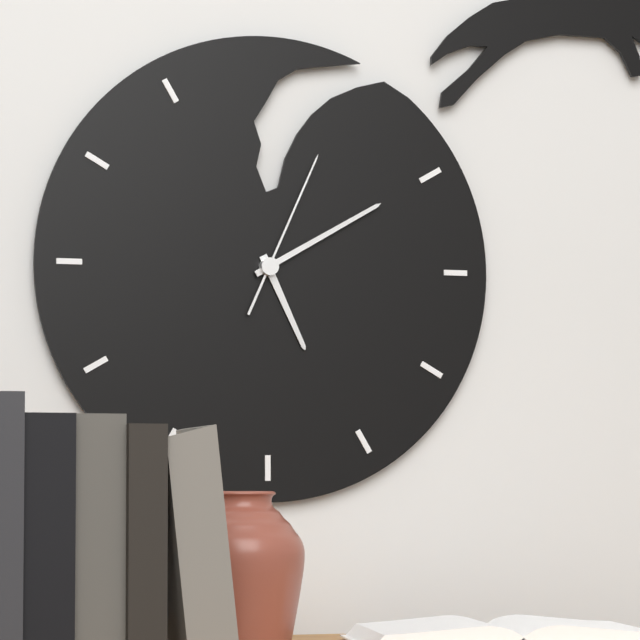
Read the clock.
5:10:04
